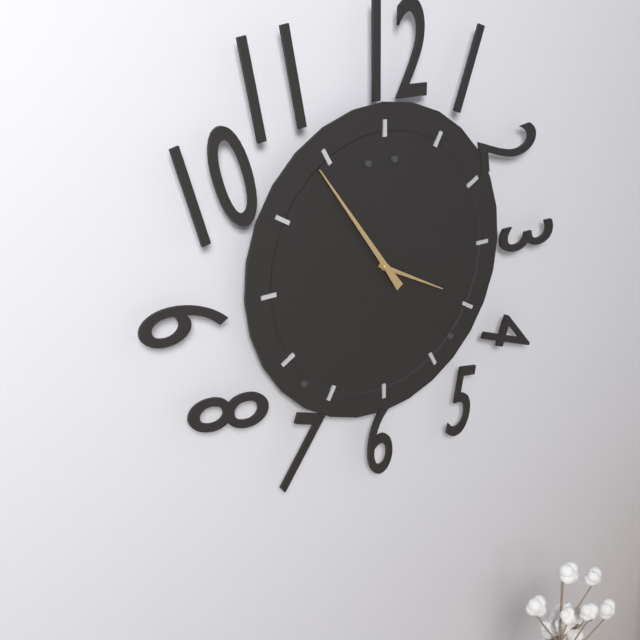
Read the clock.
3:54
